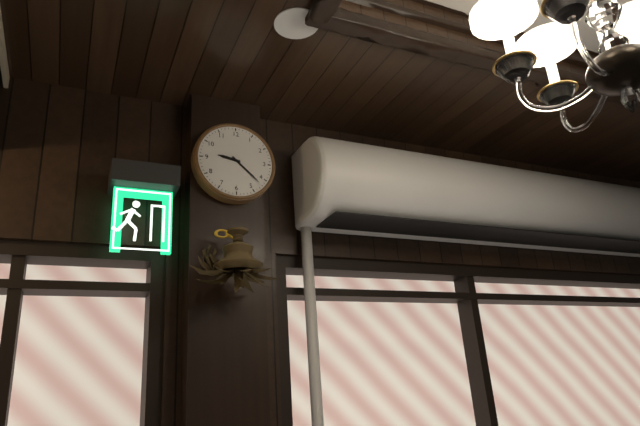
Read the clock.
9:22
